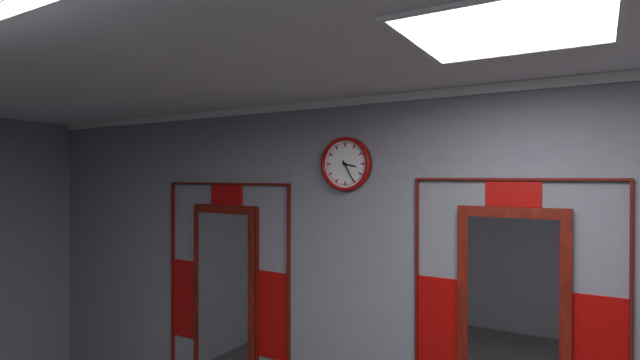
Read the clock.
3:25
